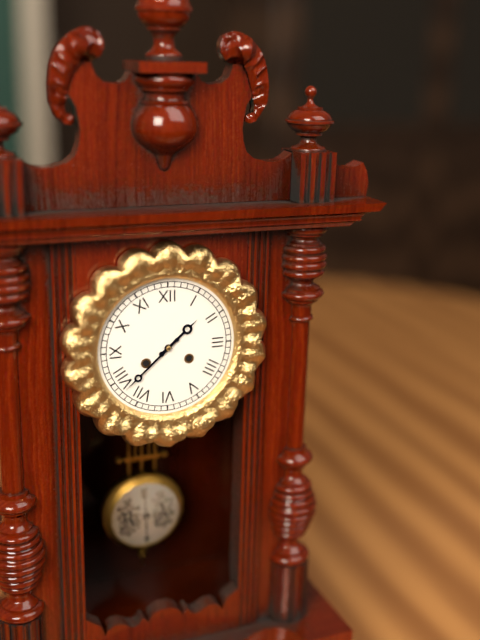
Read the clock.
1:38
